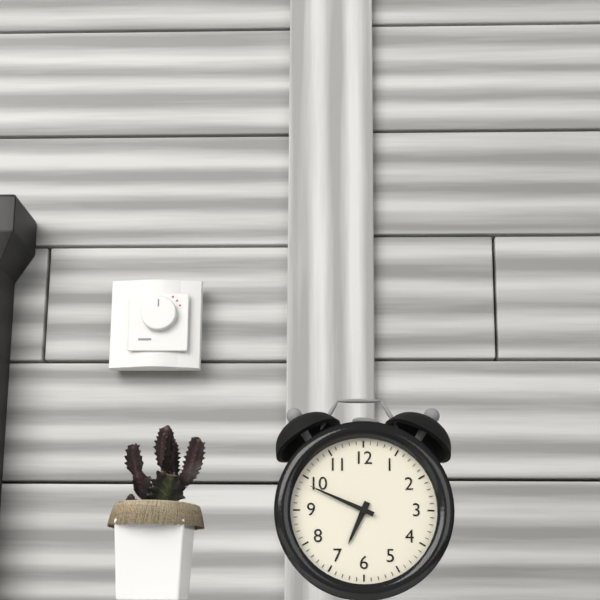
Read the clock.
6:49
